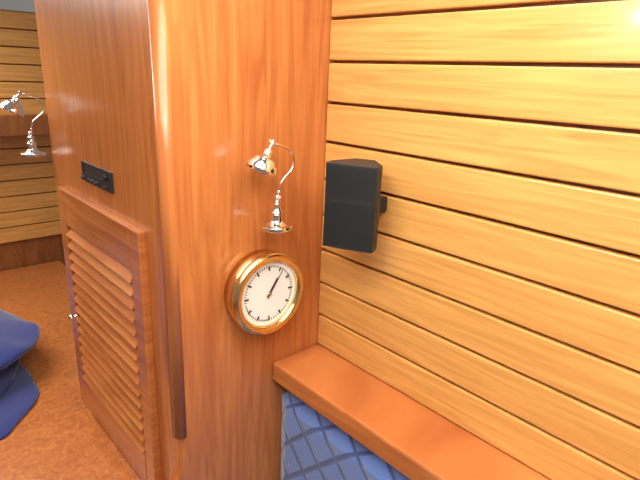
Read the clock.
1:06
